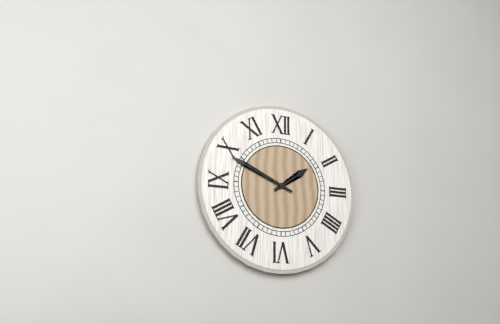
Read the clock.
1:49
